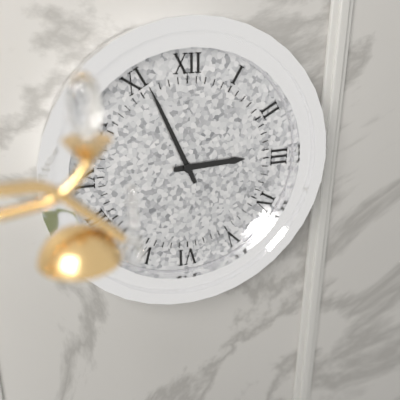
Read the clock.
2:56
